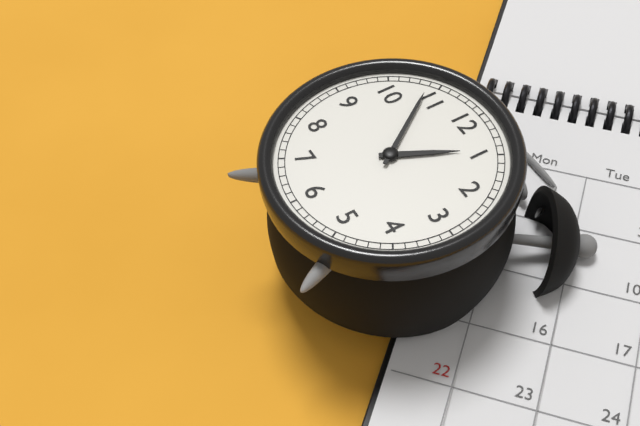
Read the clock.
12:54
